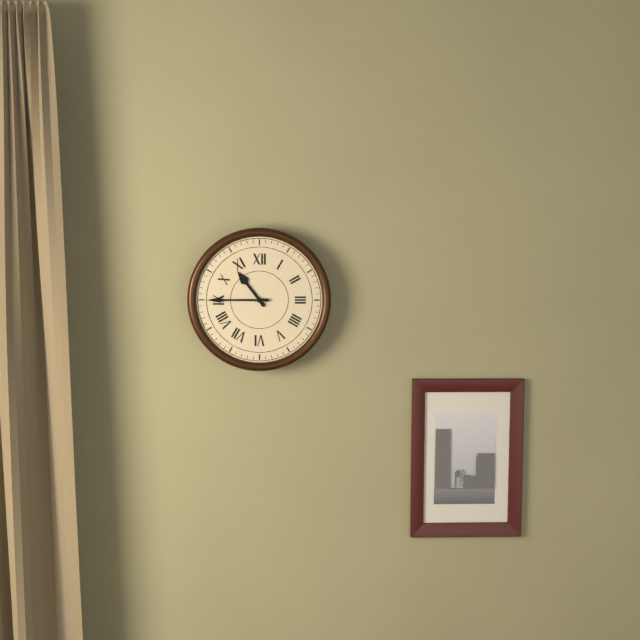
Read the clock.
10:45
